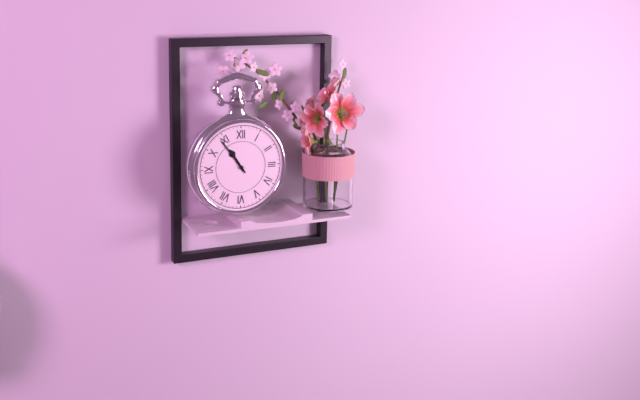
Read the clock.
10:54
